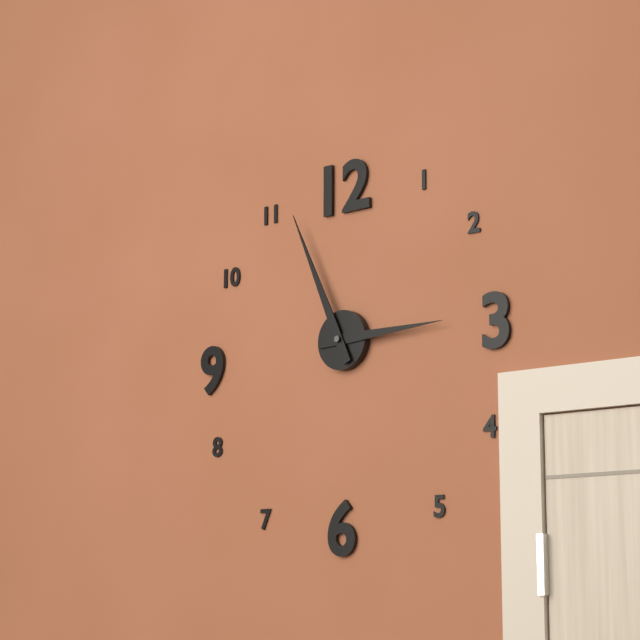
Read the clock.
2:56
